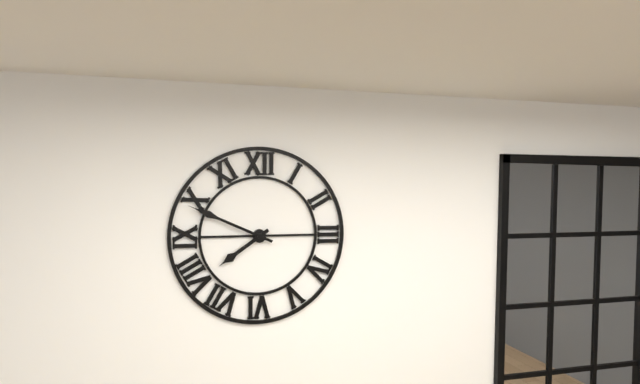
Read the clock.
7:49
